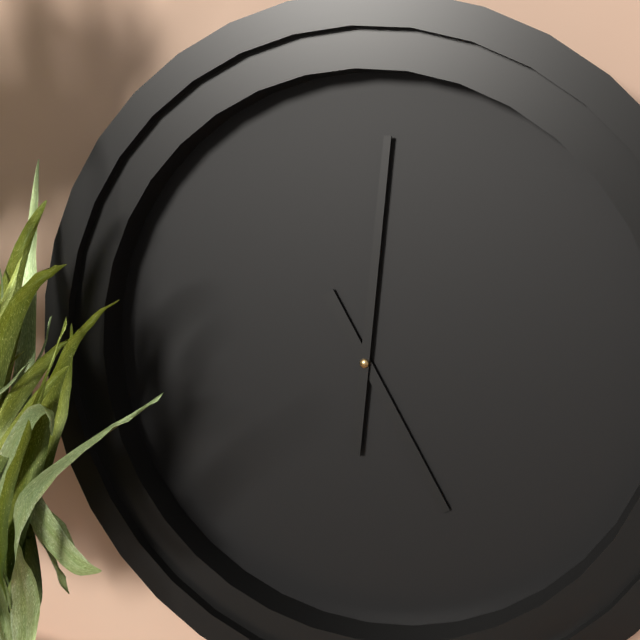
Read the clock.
5:01
